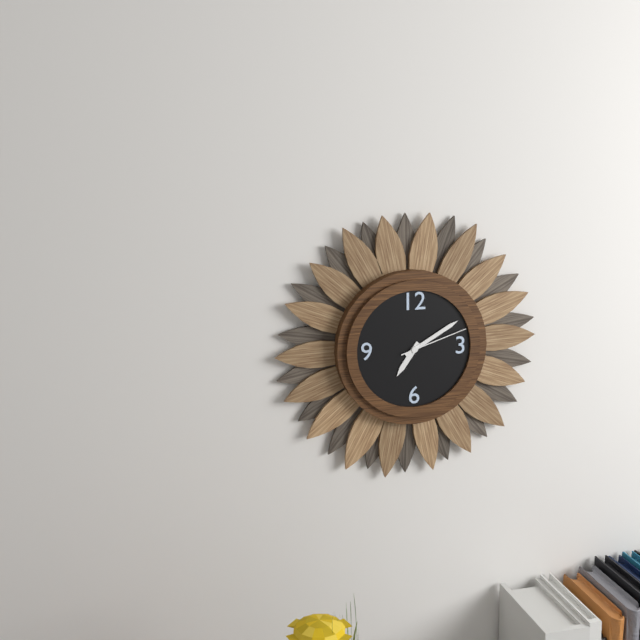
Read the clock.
7:10:12
